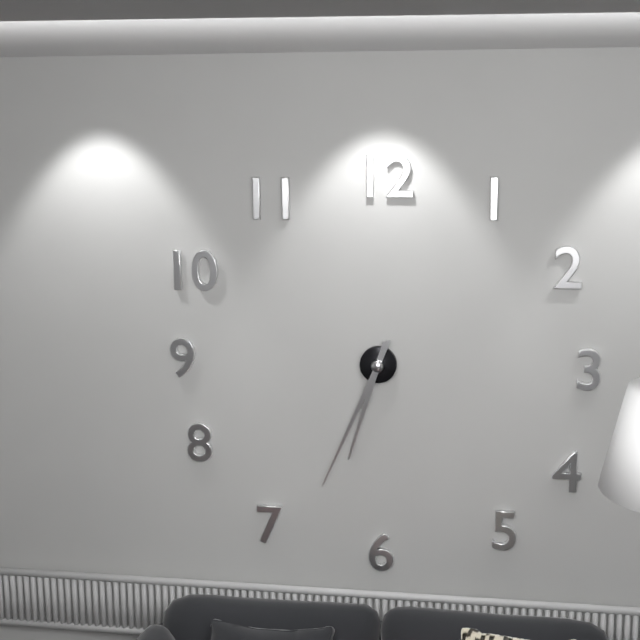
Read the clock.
6:34
